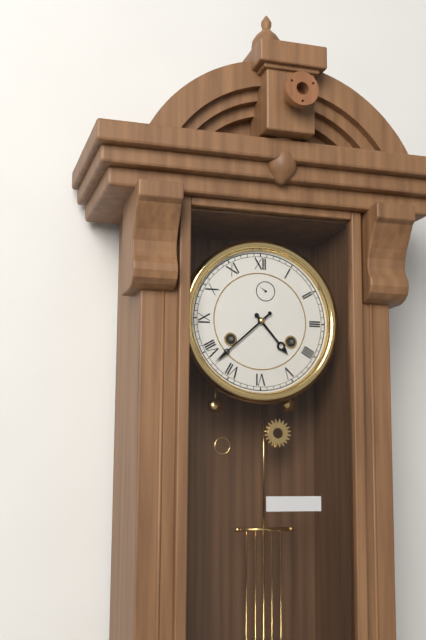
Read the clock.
4:38
